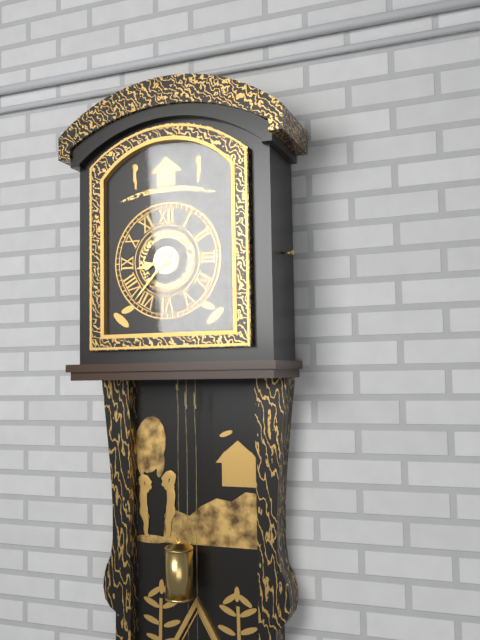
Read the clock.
8:37
